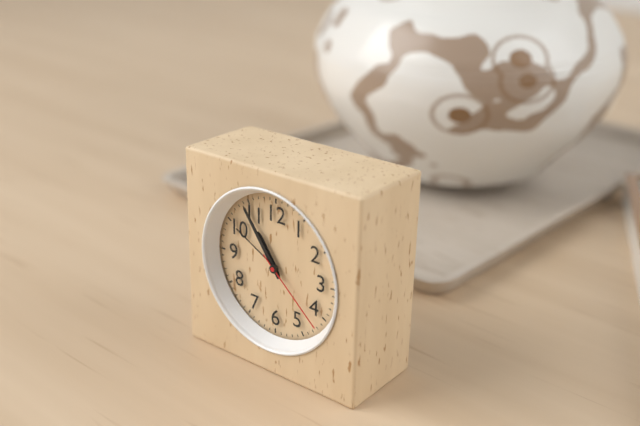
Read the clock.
10:54:22
